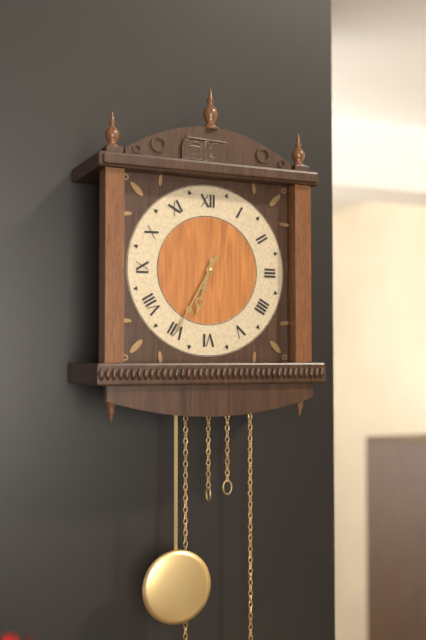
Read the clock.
6:35
